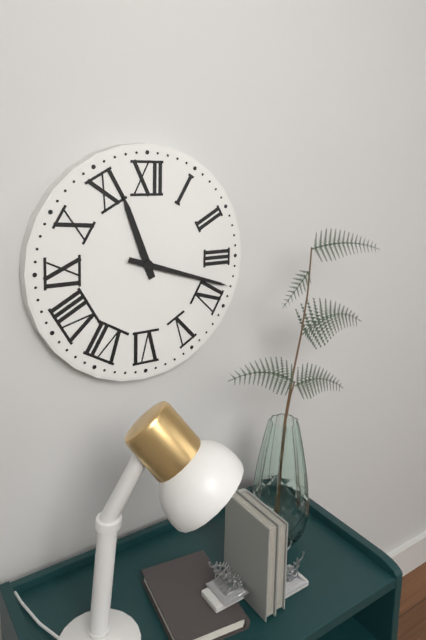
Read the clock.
11:18
